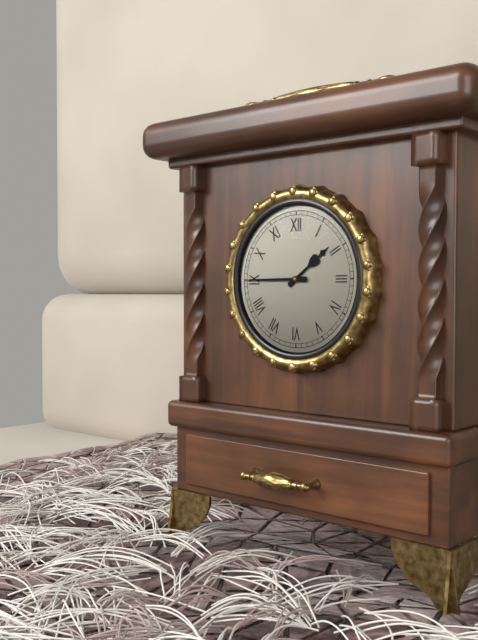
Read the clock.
1:45
